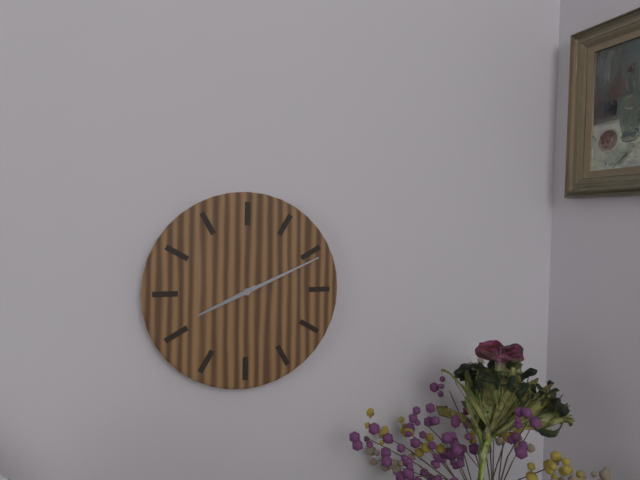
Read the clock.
8:11
